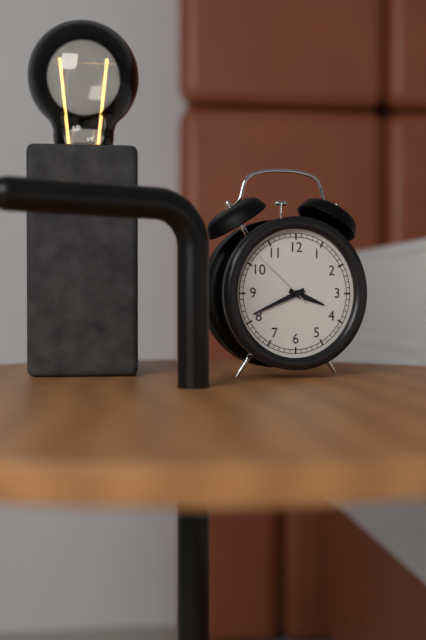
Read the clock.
3:41:52
